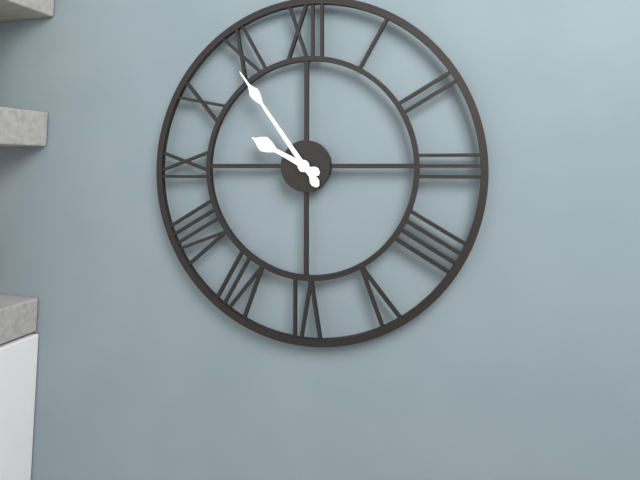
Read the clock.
9:54
